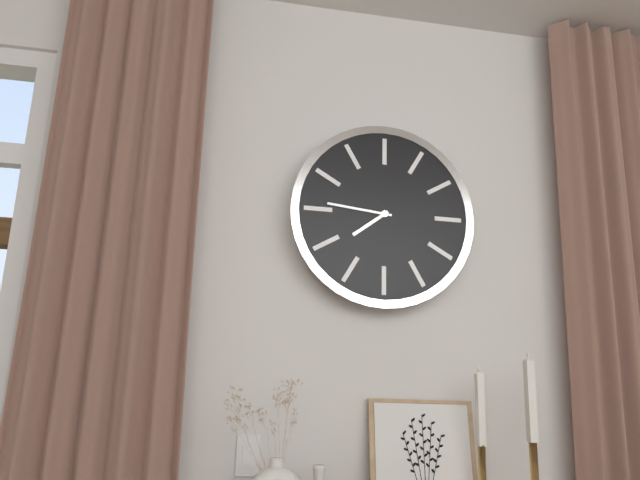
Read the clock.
7:46
